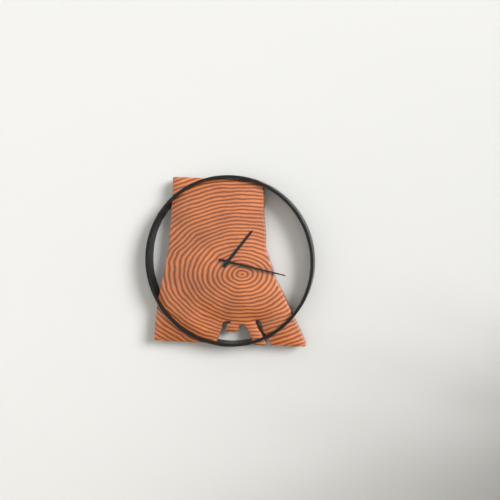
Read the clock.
1:17
